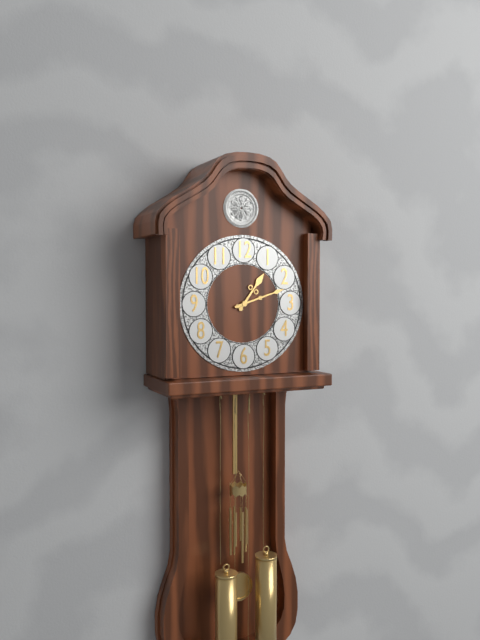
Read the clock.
1:12
